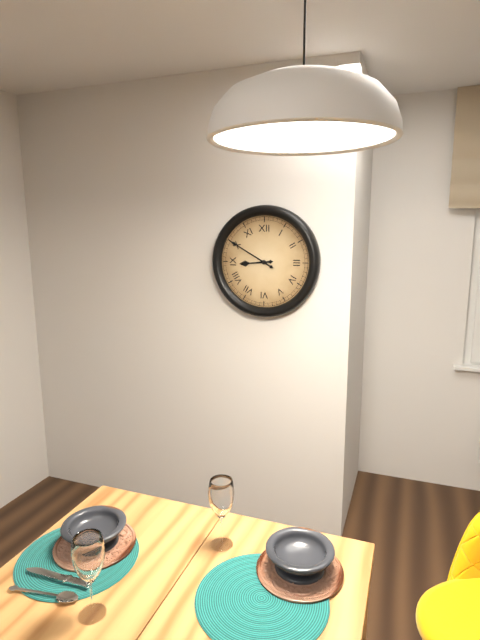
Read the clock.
8:50
